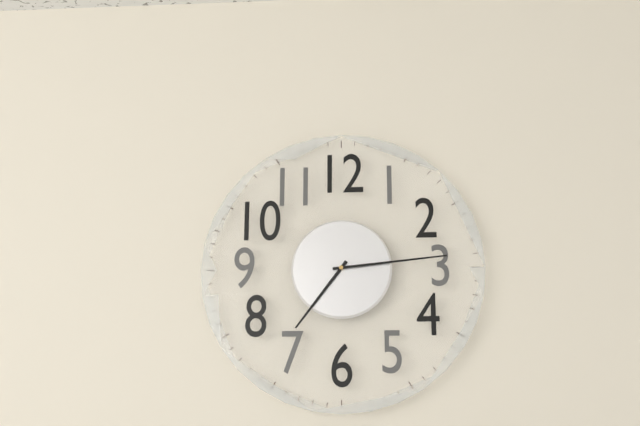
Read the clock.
7:14
